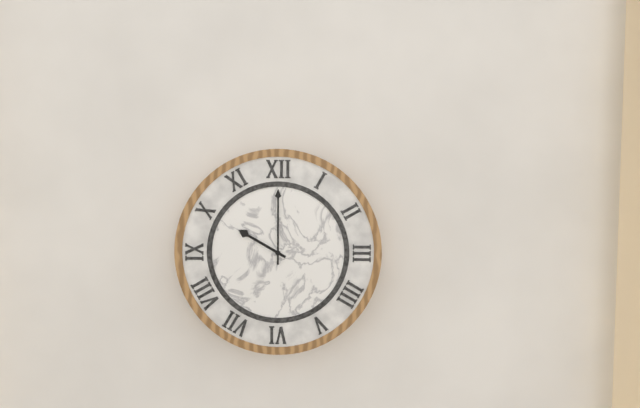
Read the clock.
10:00
